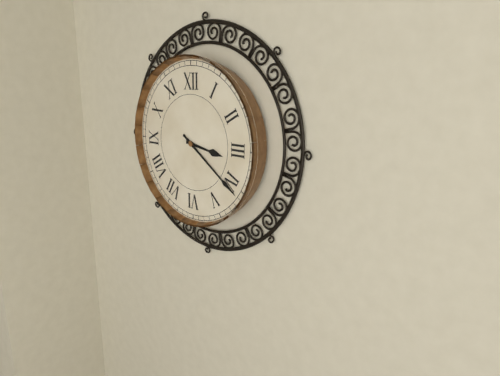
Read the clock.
3:21
